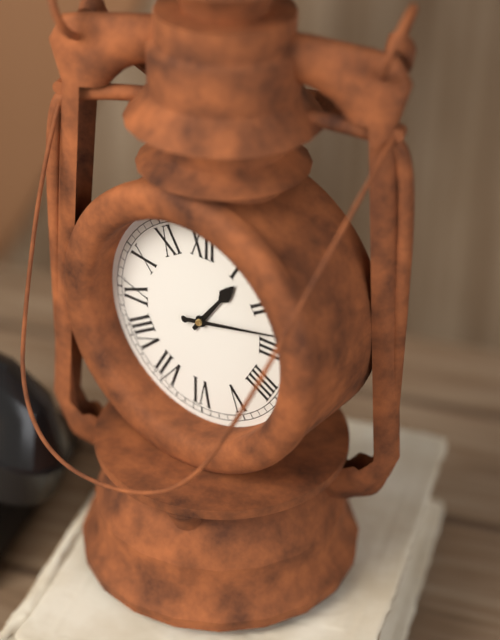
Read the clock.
1:13
